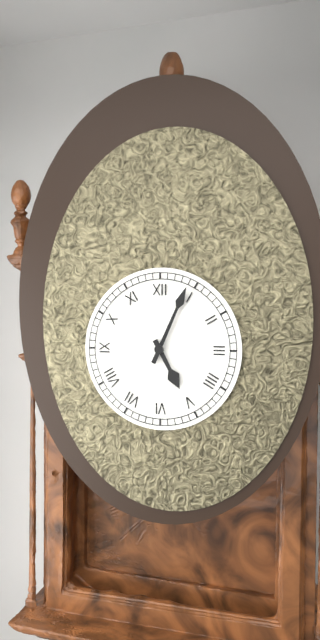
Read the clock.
5:04
